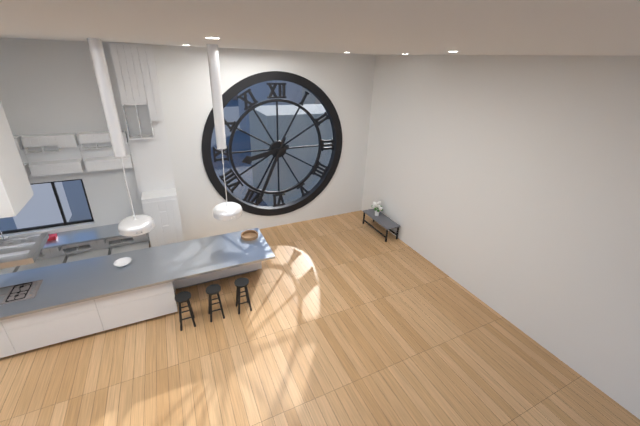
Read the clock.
8:34
